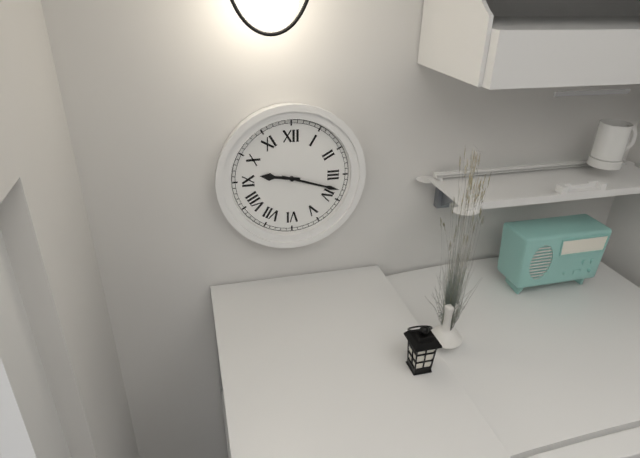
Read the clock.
9:18
